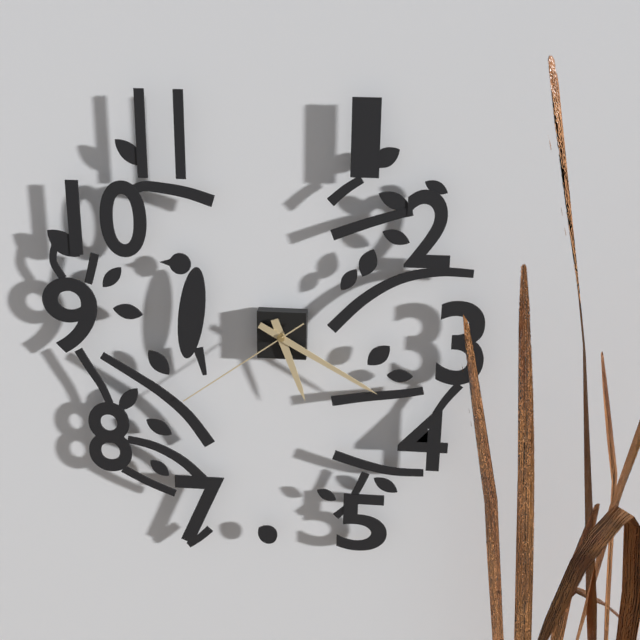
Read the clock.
5:20:39
